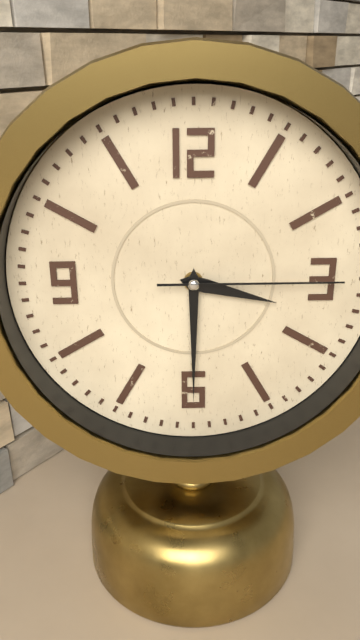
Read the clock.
3:30:15
